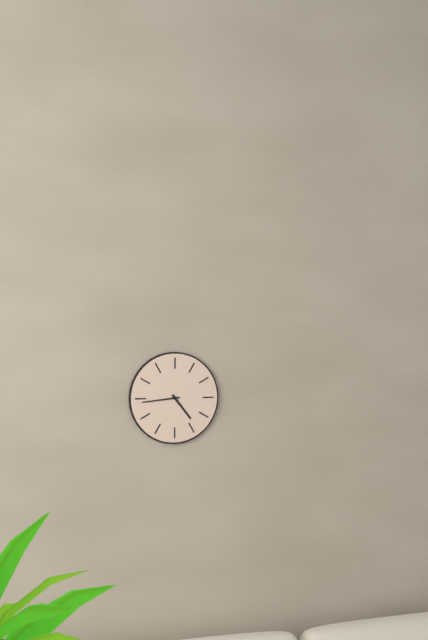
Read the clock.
4:44
